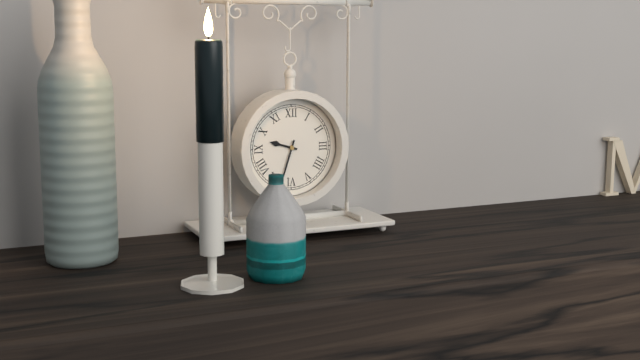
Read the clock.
9:33
